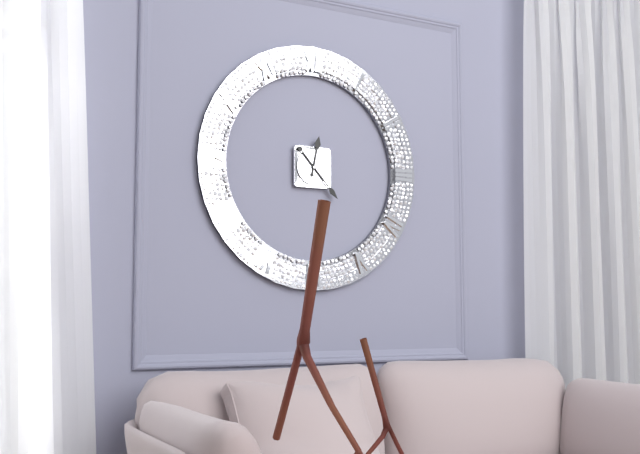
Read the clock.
12:23
